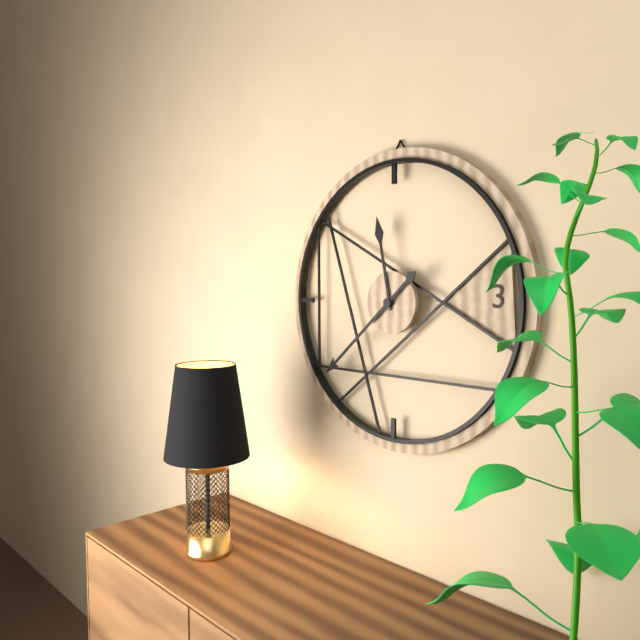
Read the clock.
11:38
